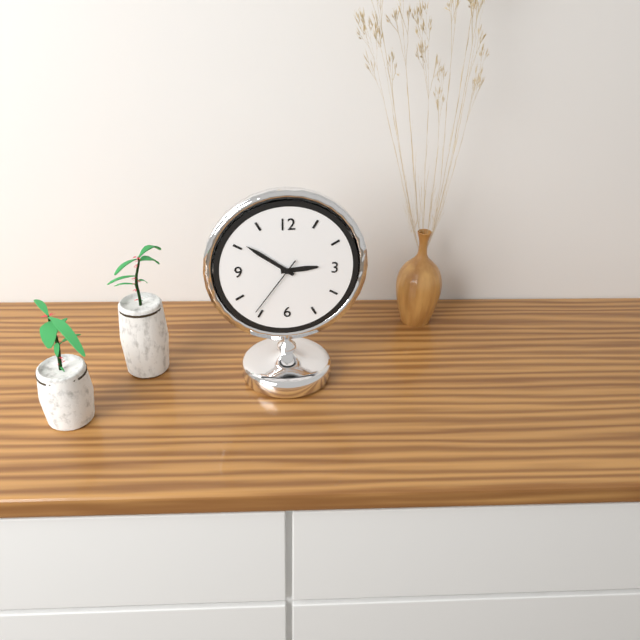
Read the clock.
2:51:36
